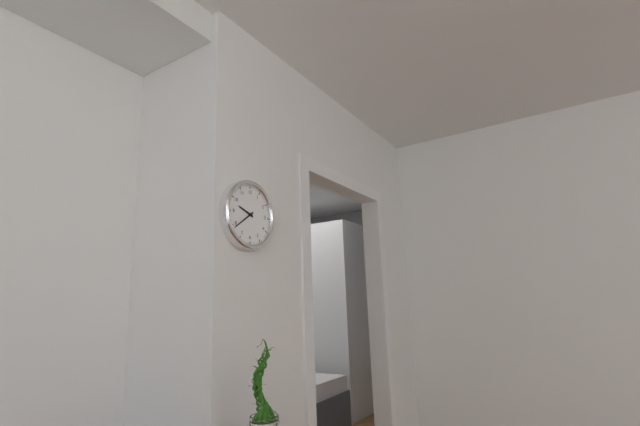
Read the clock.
9:39
